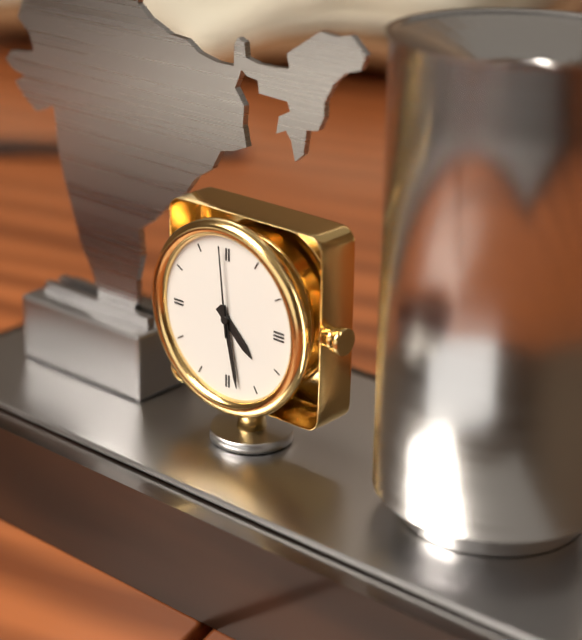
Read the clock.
4:28:59
